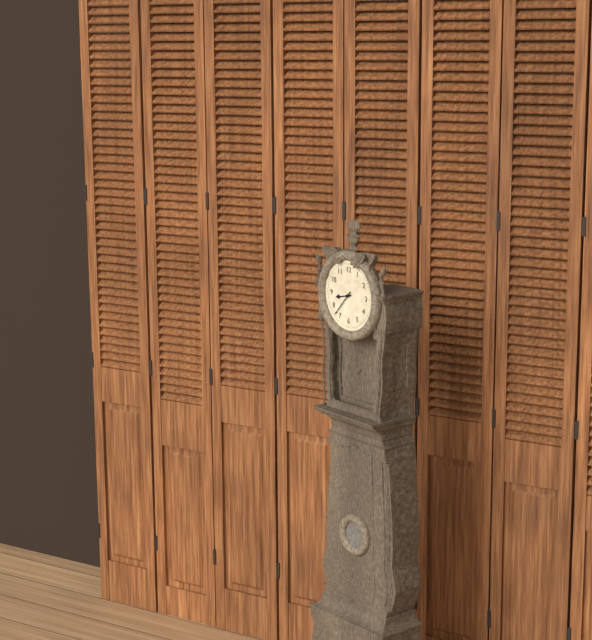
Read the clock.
8:37
